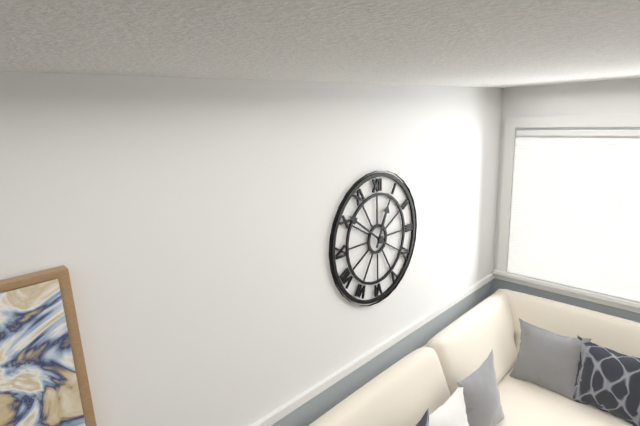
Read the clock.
12:51
